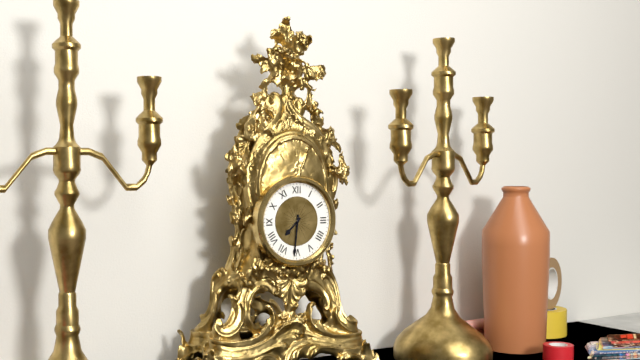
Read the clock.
7:31
